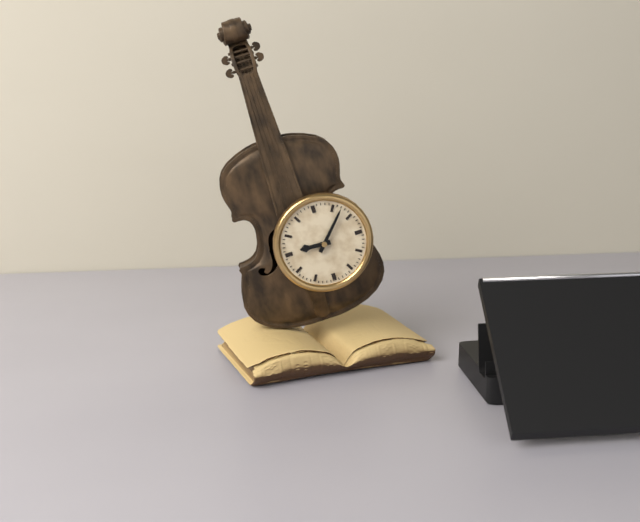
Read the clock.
9:07
